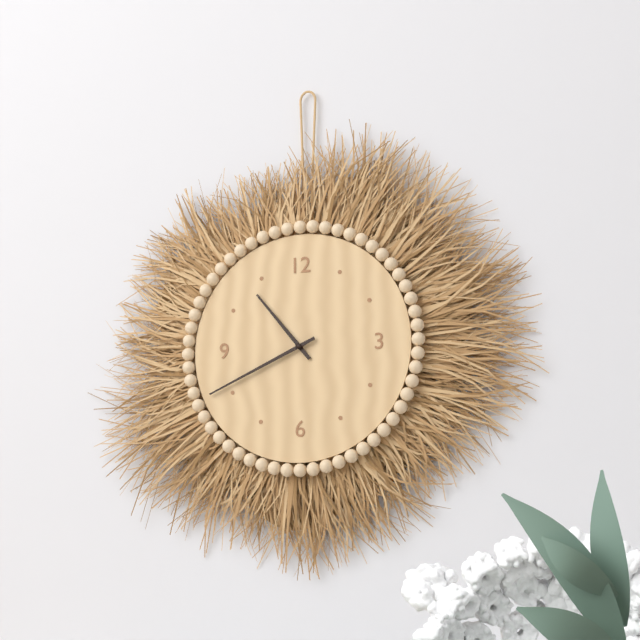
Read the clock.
10:41
